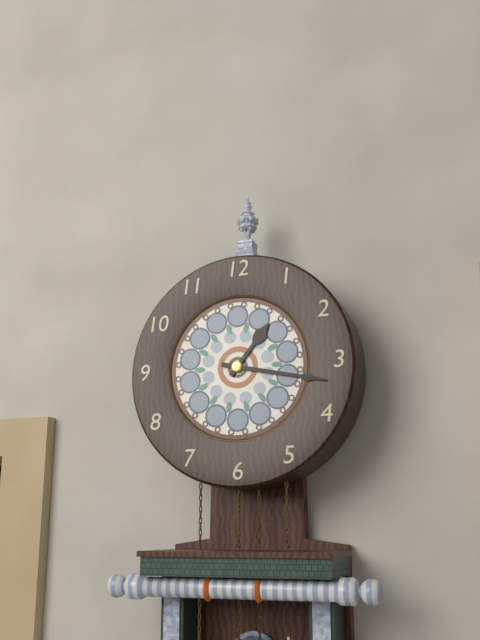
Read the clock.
1:17
